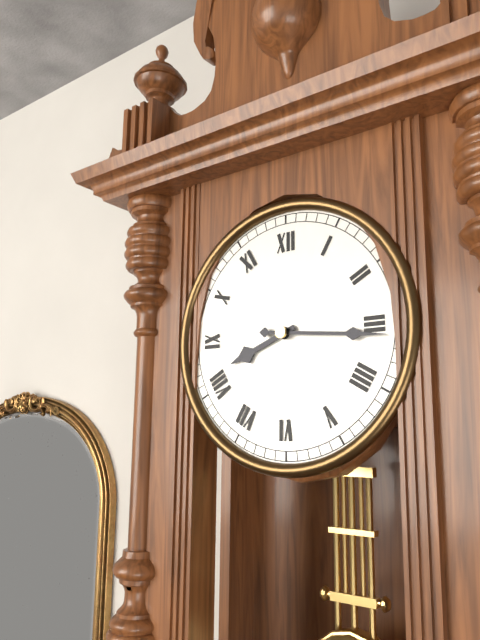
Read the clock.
8:16
